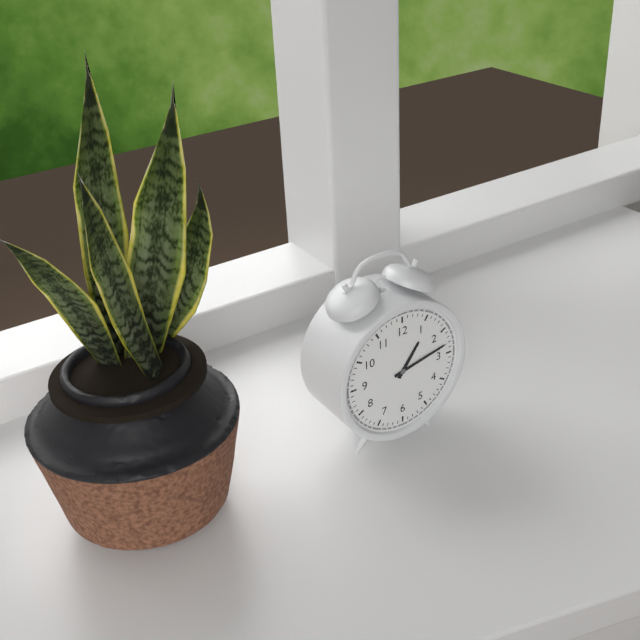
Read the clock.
1:13
